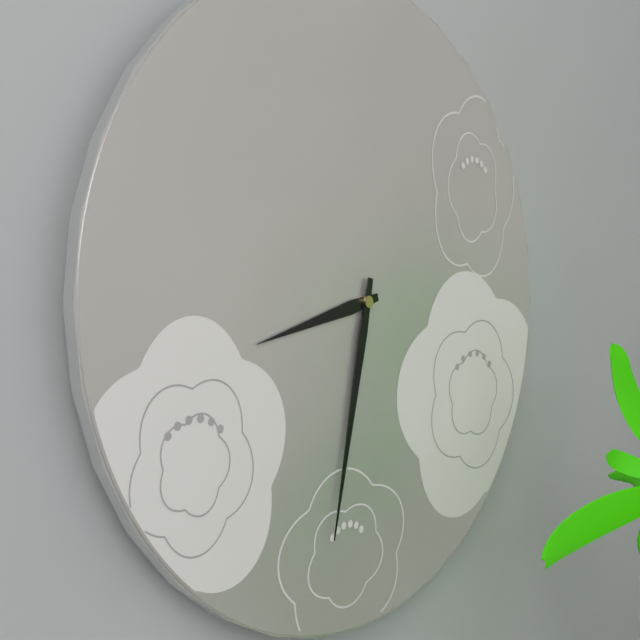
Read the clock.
8:32
